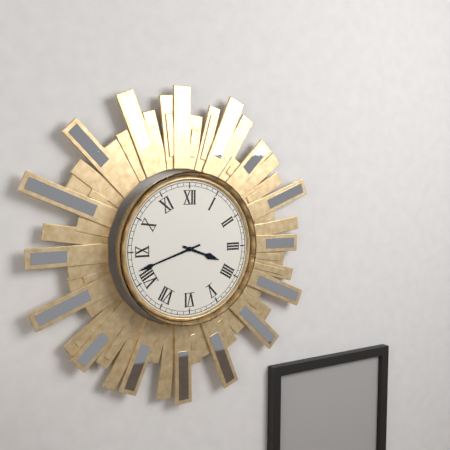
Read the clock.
3:42
